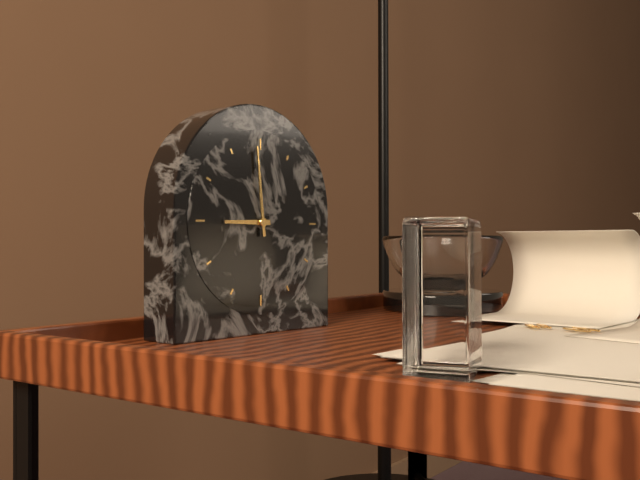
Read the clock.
8:59
